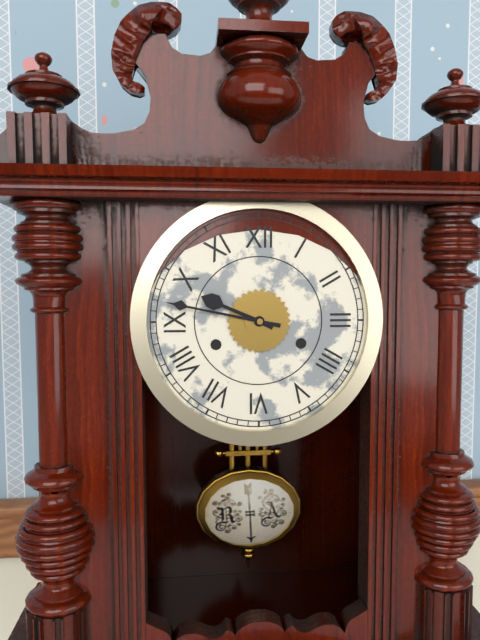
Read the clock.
9:47
